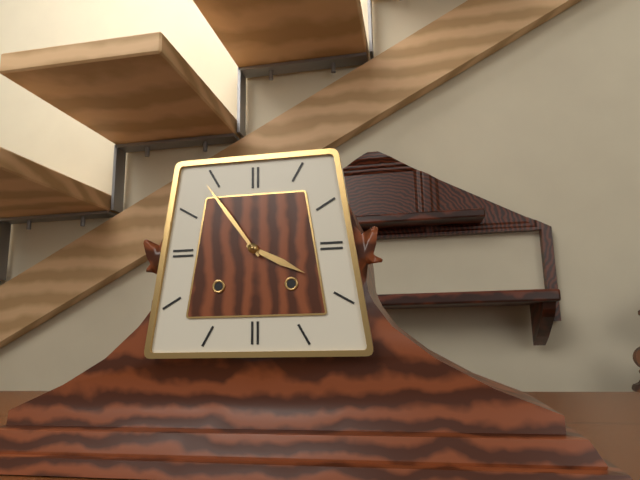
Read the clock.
3:54
